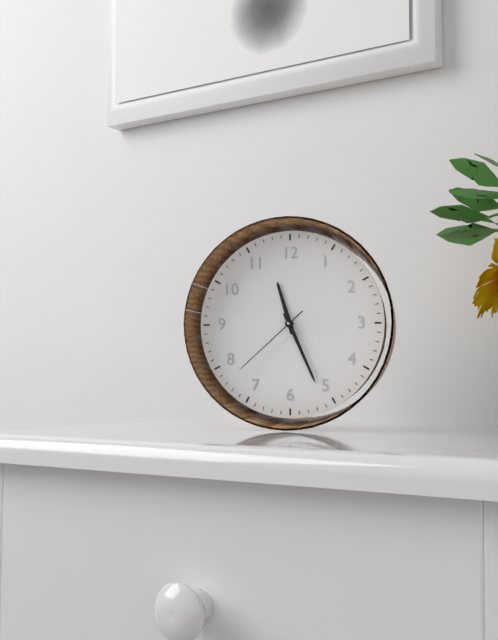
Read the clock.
11:26:38
